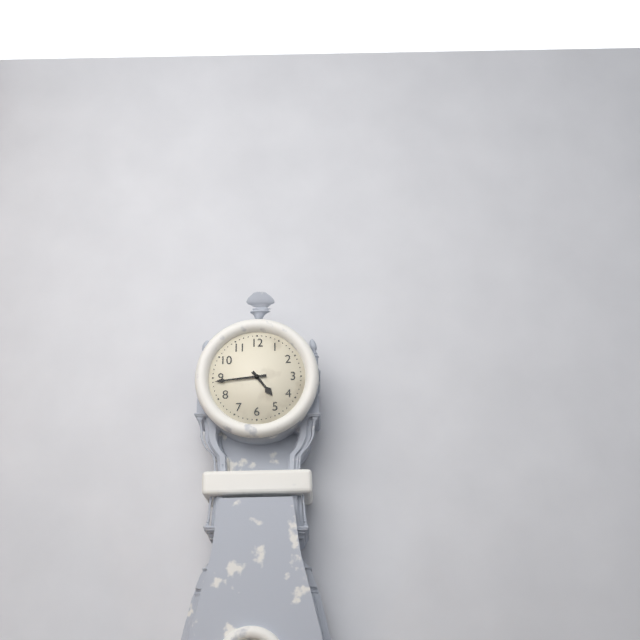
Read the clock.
4:44
